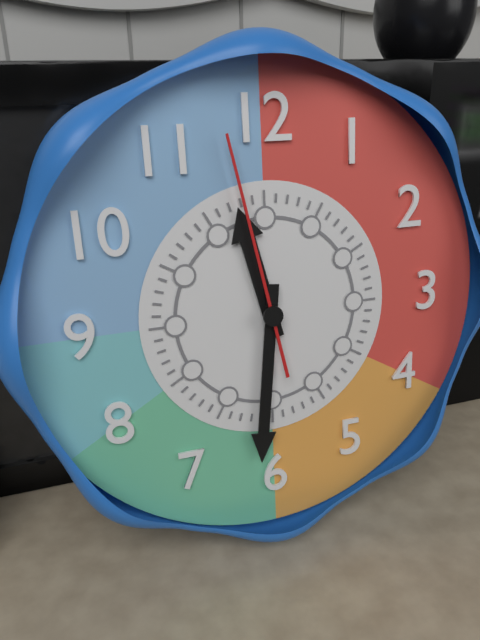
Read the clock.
11:31:58
